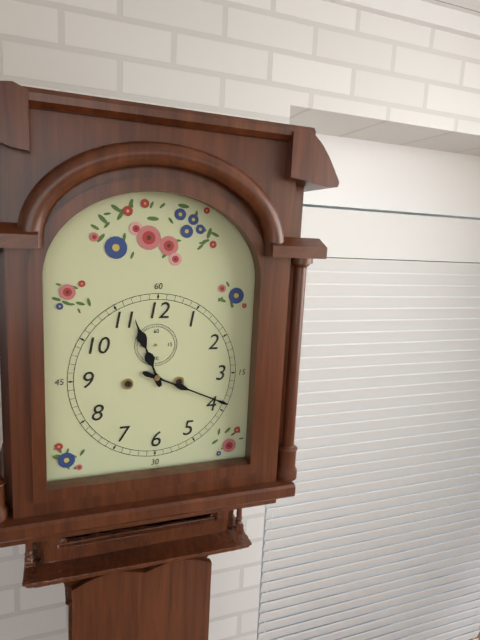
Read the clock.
11:19
